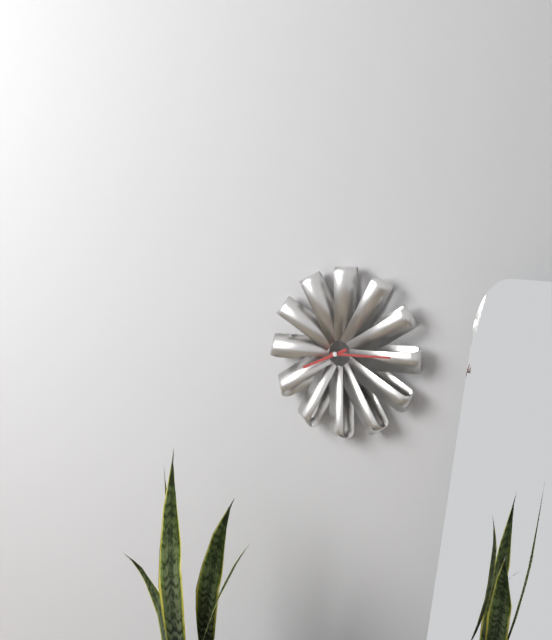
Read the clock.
8:15
